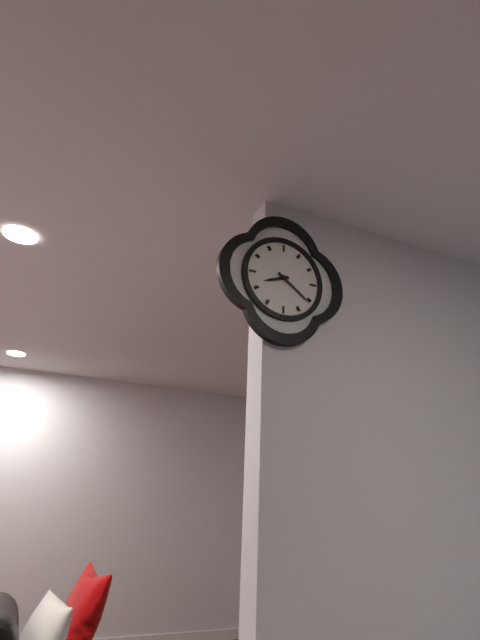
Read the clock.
8:21
